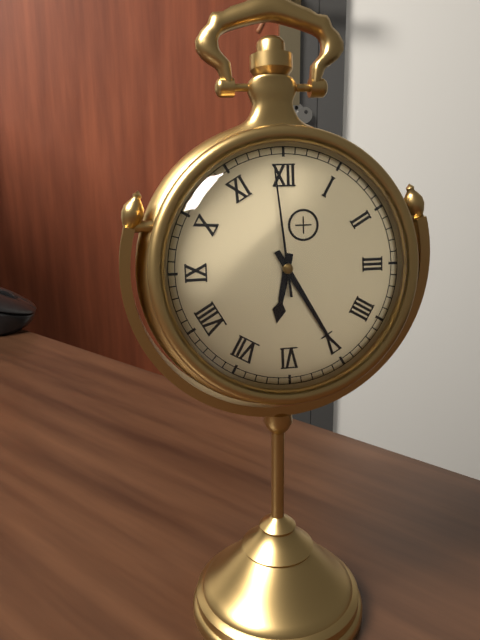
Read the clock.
6:25:59
